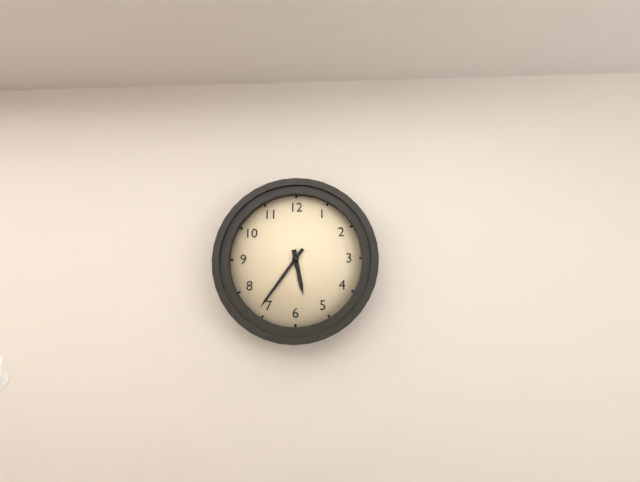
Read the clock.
5:36
